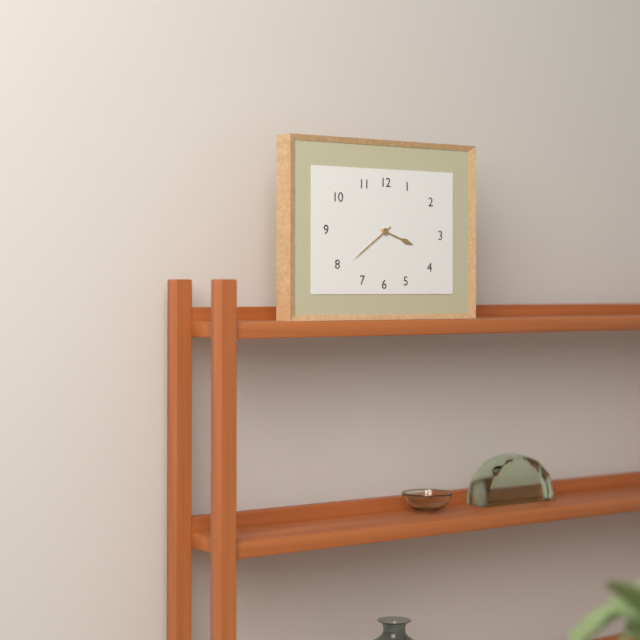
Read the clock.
3:39
